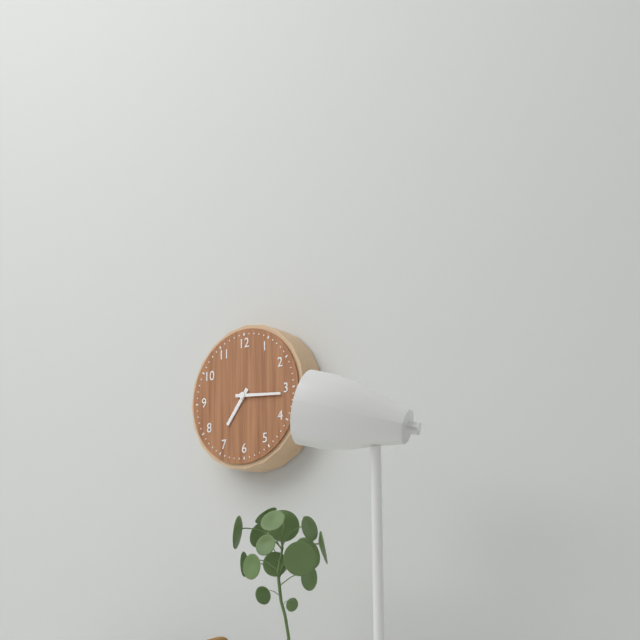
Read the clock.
7:16
